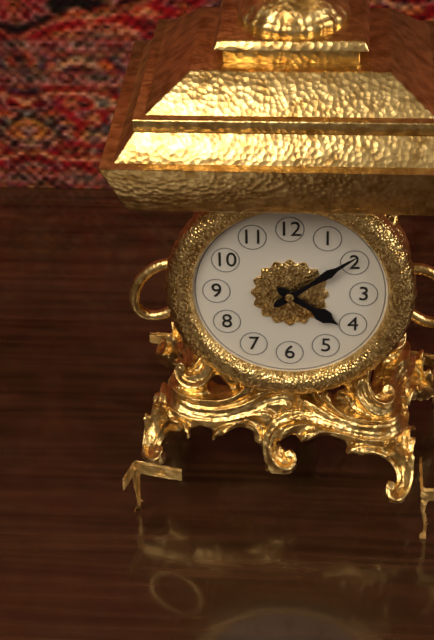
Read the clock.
4:09
